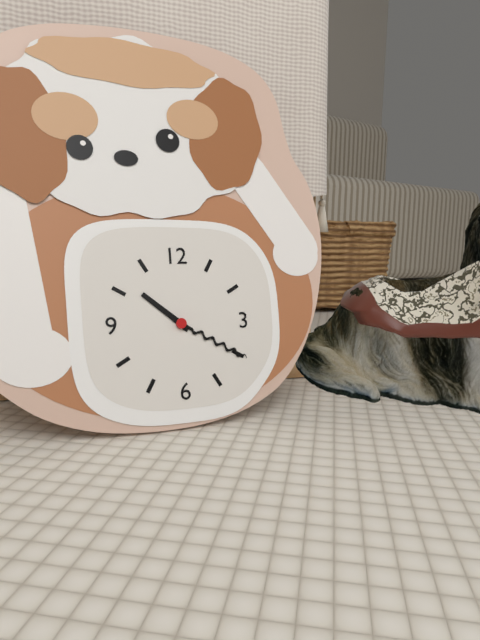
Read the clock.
10:20
